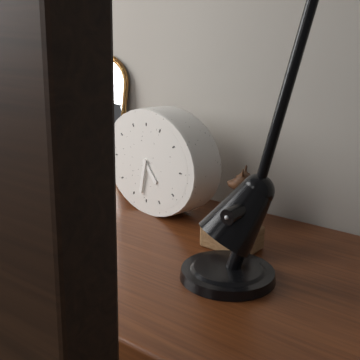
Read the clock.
4:32
